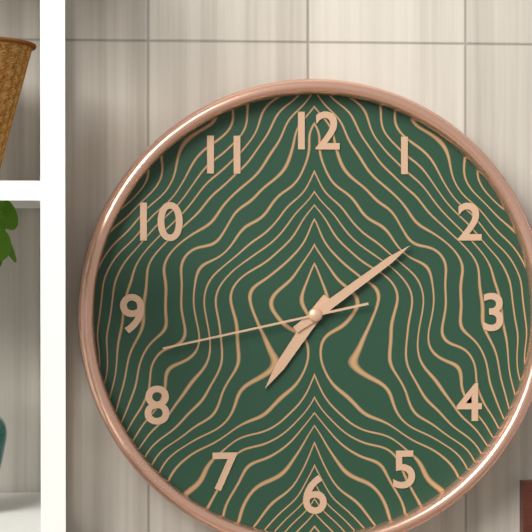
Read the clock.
7:09:43
